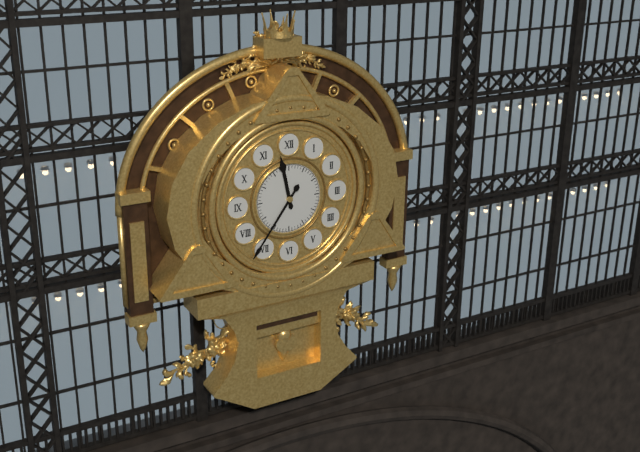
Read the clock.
11:36
